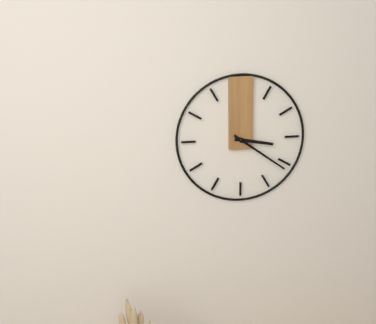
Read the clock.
3:21
